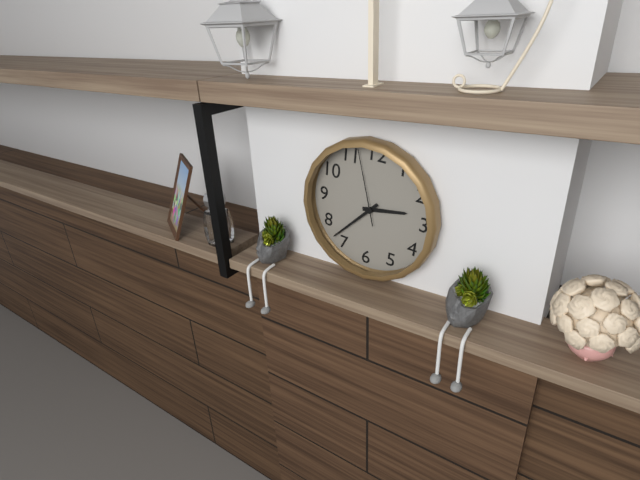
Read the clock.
2:37:57
